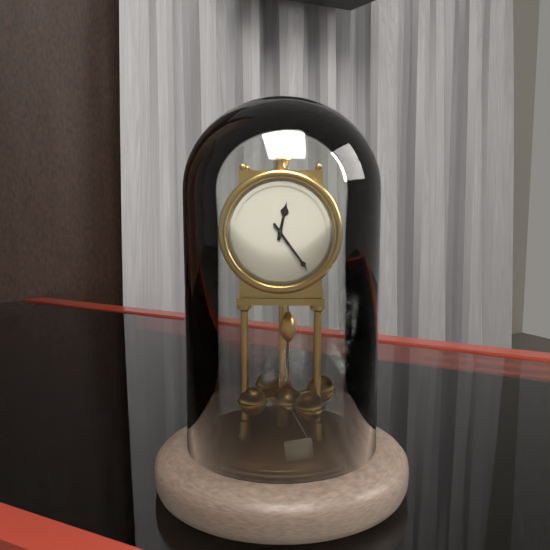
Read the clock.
12:24
